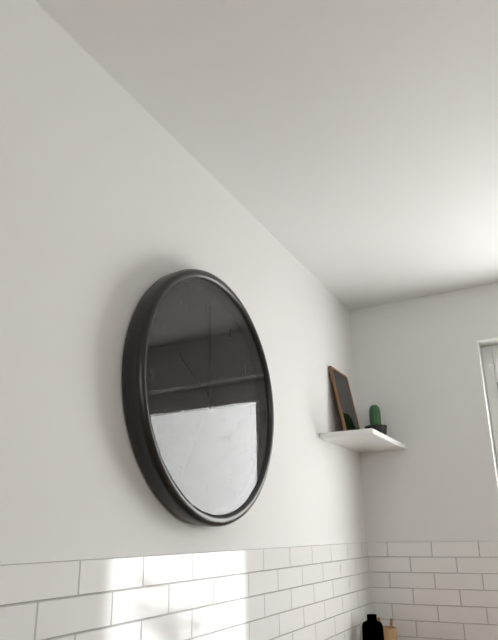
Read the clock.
10:00:35
